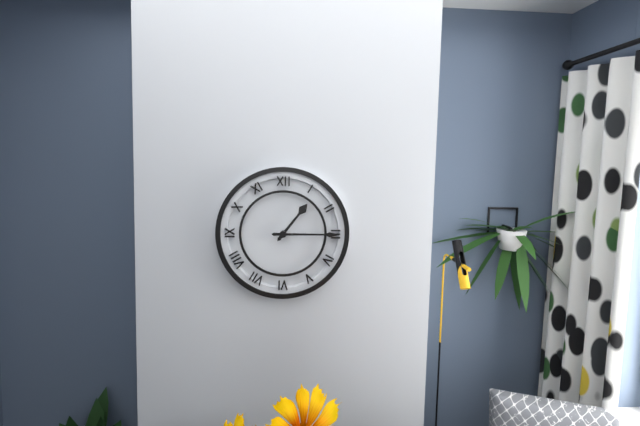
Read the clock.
1:15
